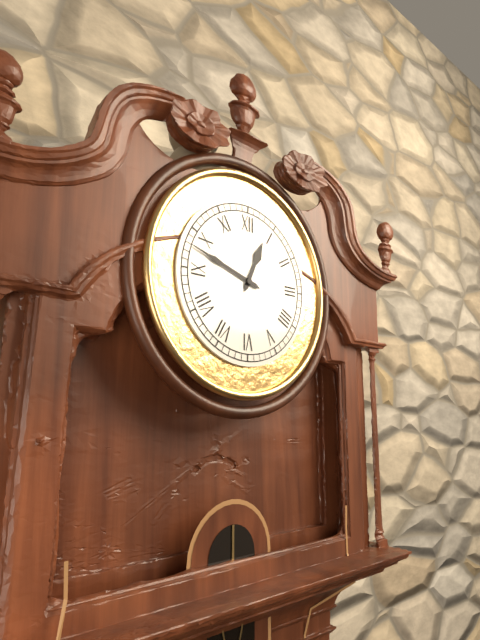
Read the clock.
12:48
